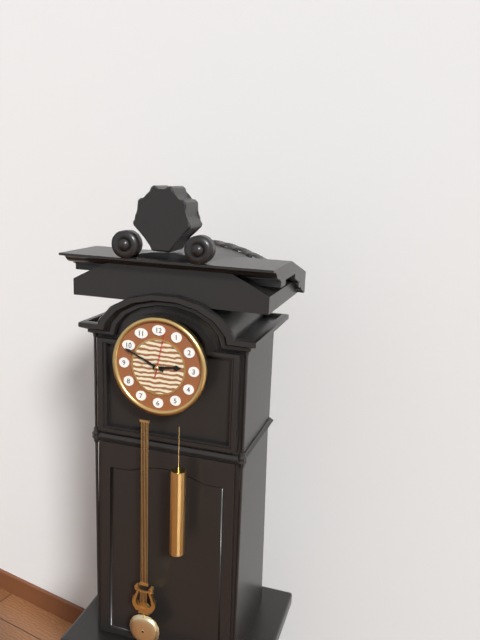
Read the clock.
2:49
